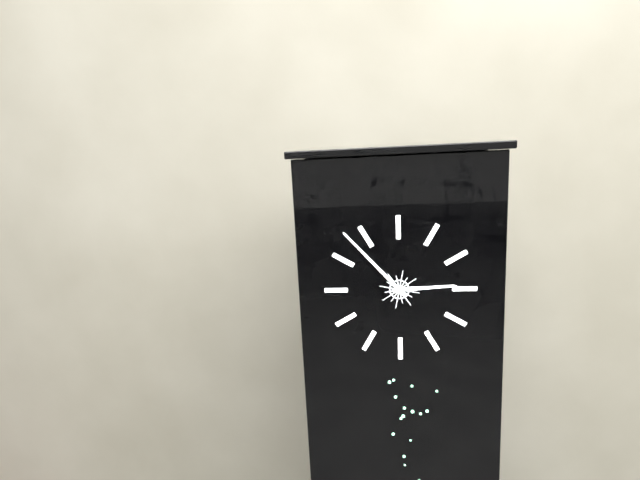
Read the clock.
2:53
